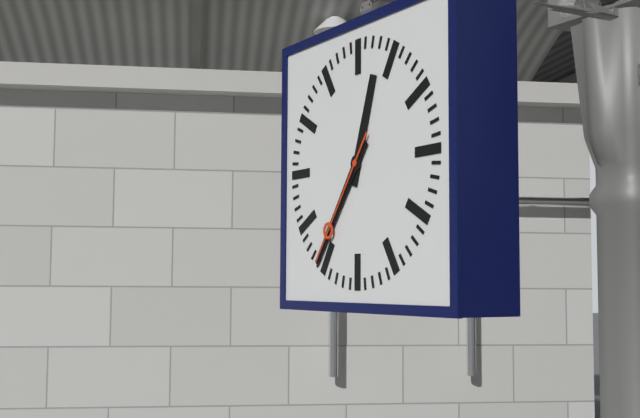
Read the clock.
12:36:36
